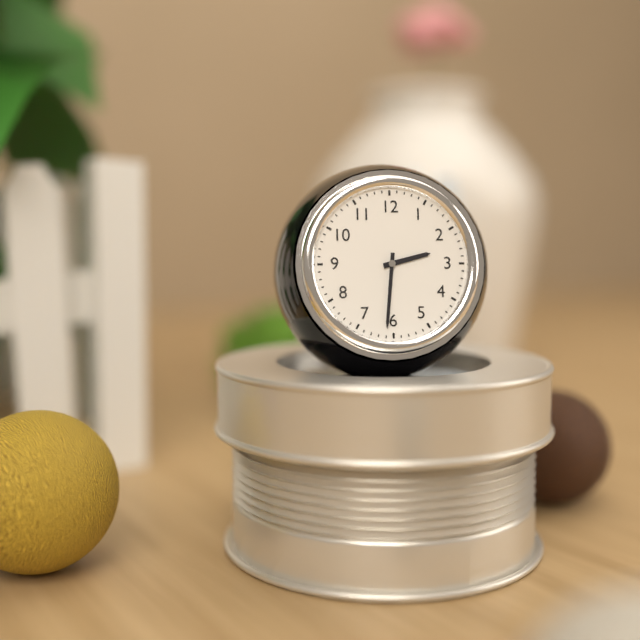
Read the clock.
2:31
